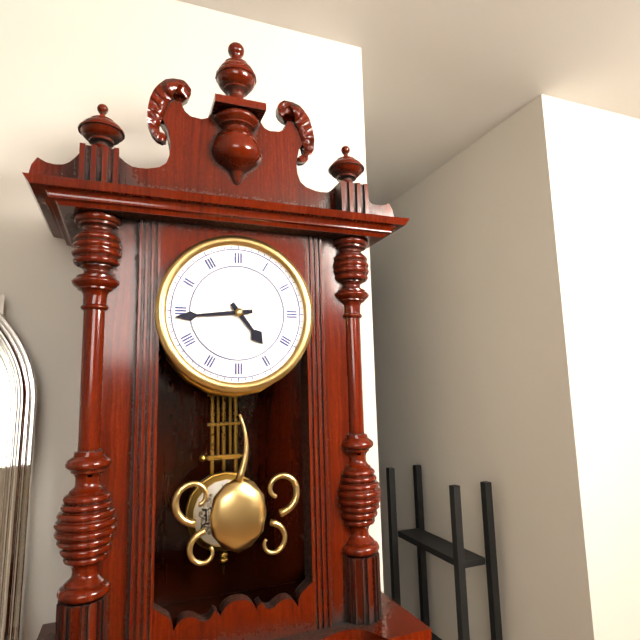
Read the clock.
4:44
